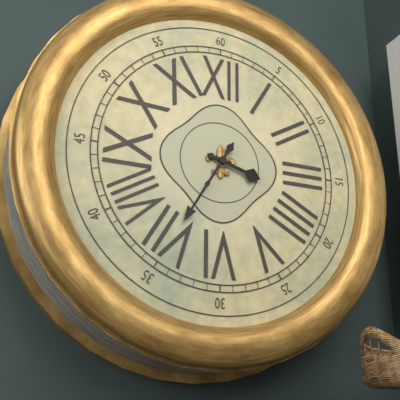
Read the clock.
3:35
